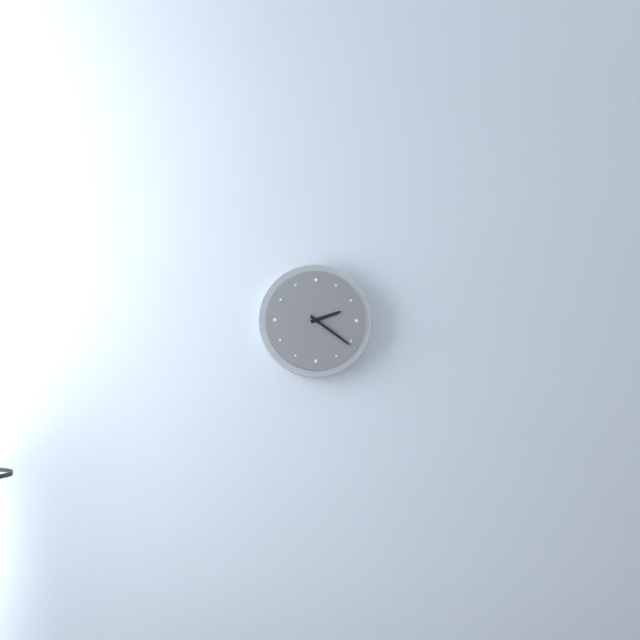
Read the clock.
2:21
